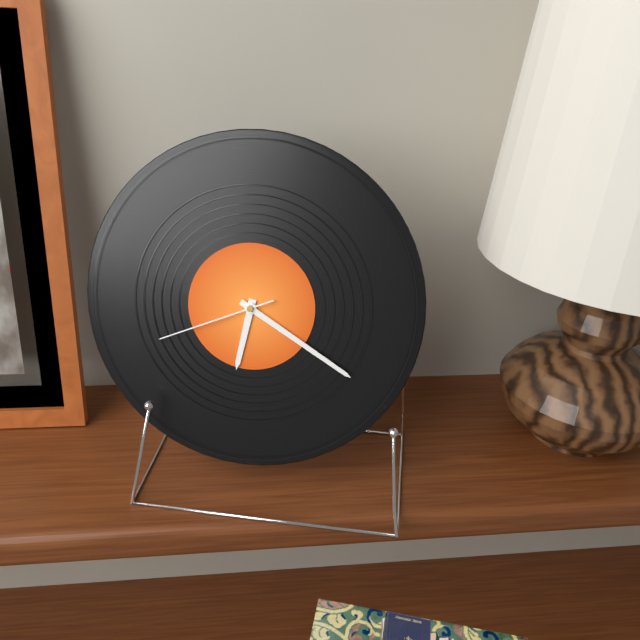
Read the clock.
6:20:41
